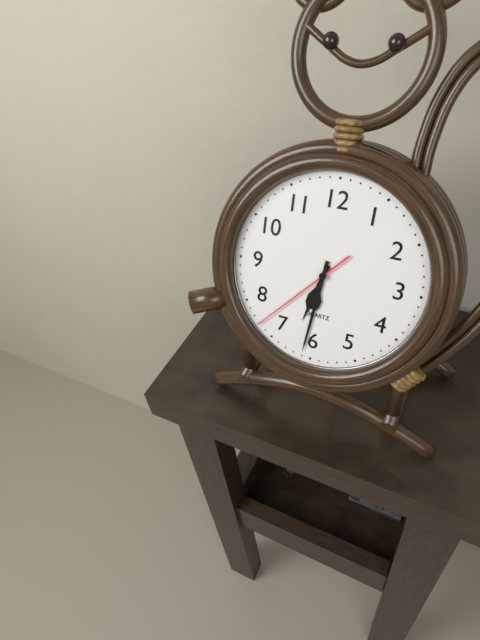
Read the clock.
6:31:37
